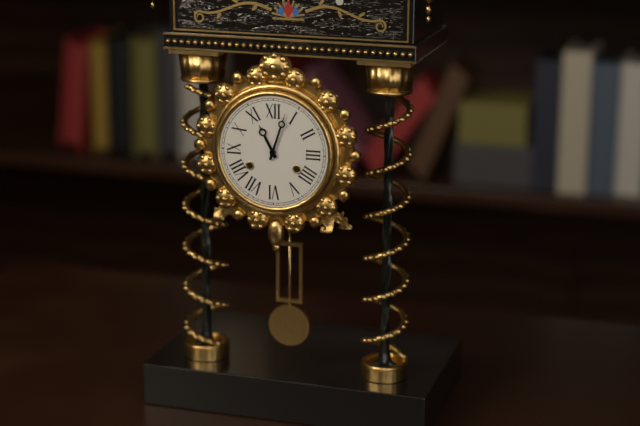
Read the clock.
11:03
